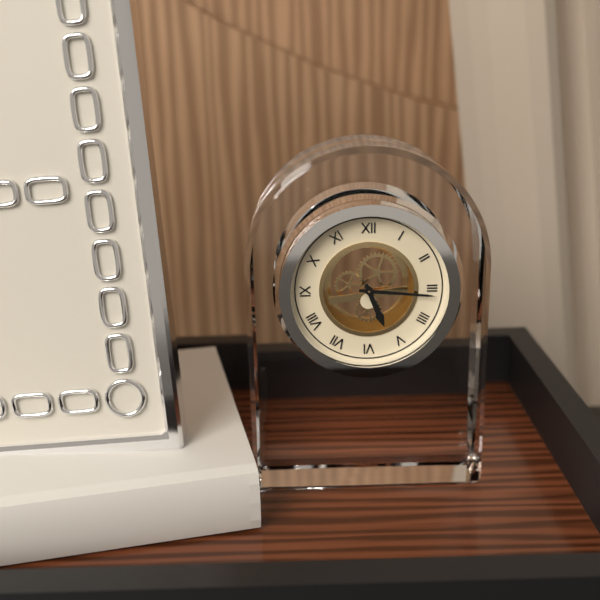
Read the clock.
5:16
